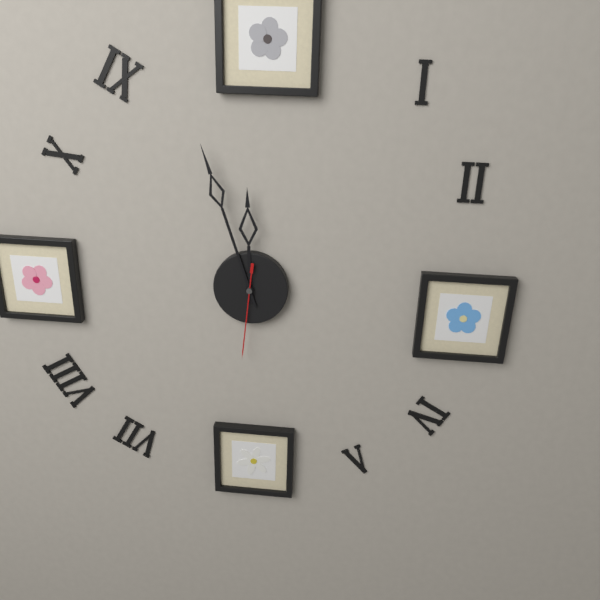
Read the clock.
11:57:31
